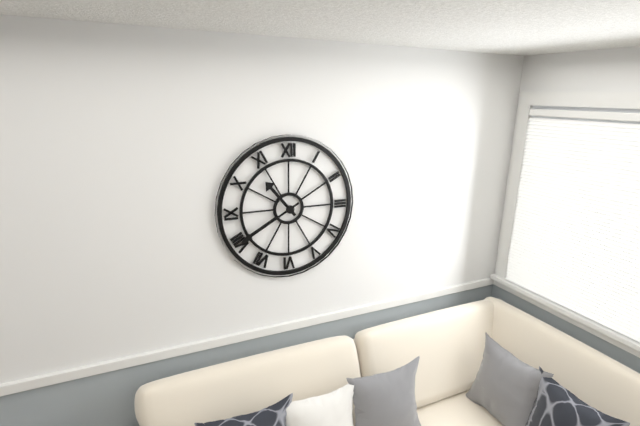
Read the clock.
10:40
